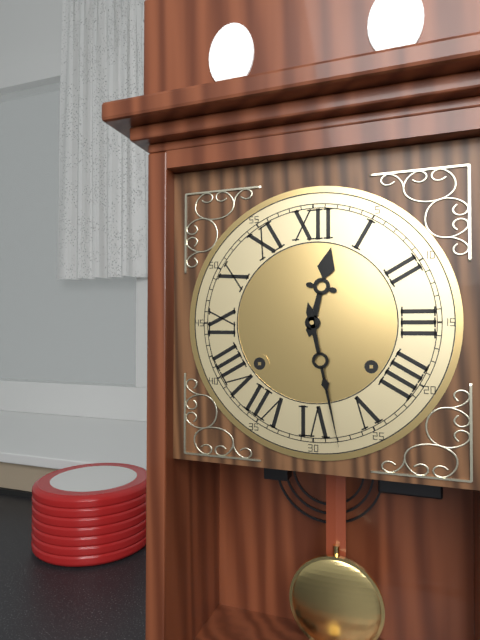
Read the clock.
12:28
